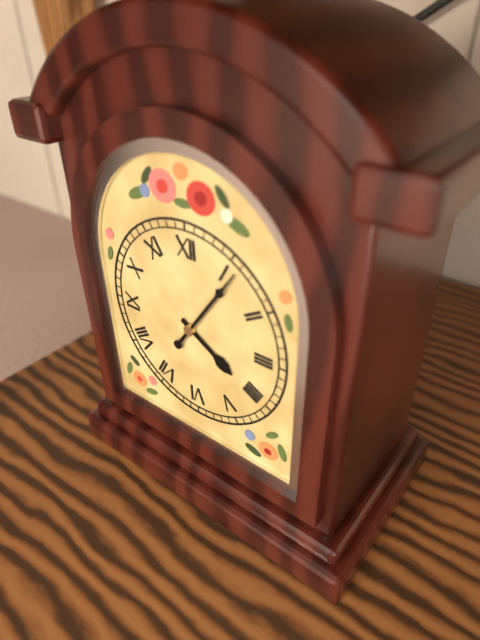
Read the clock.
4:06
